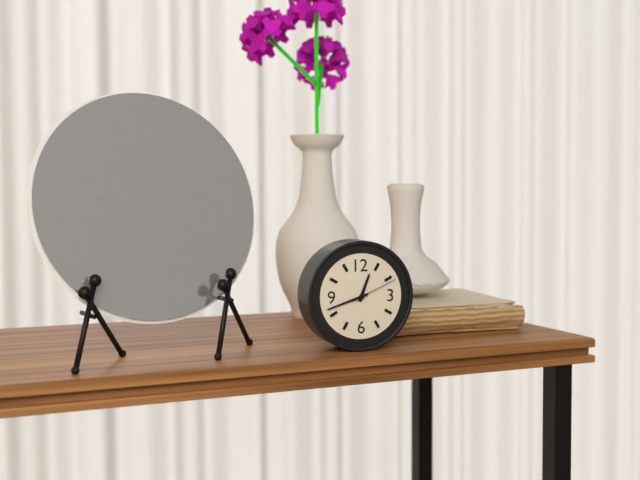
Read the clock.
12:42
